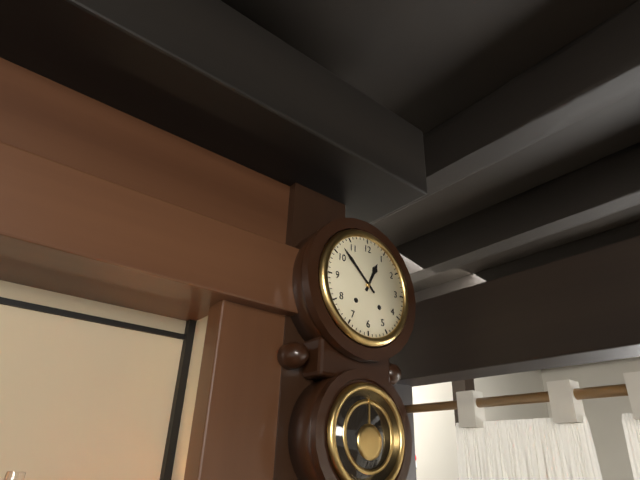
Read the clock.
12:52
